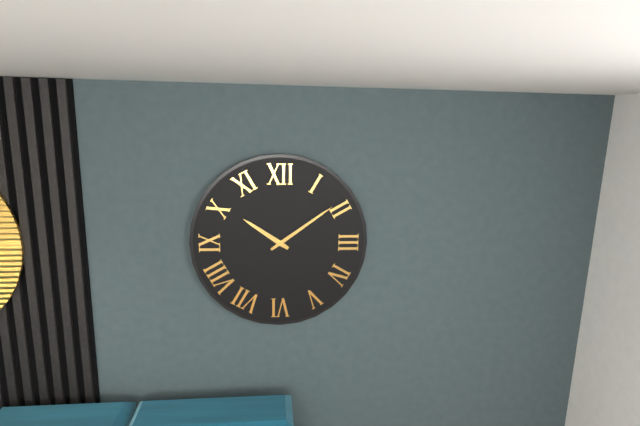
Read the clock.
10:09
